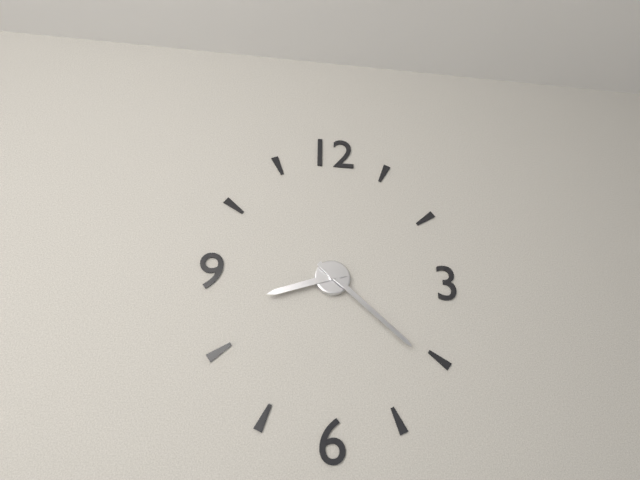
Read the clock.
8:22
